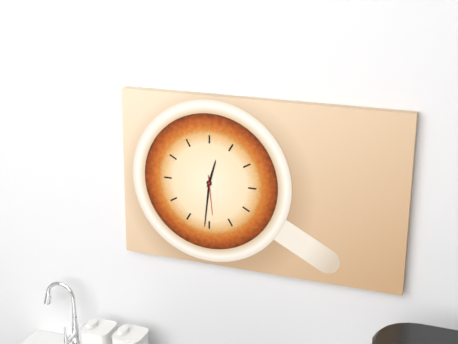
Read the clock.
12:31
